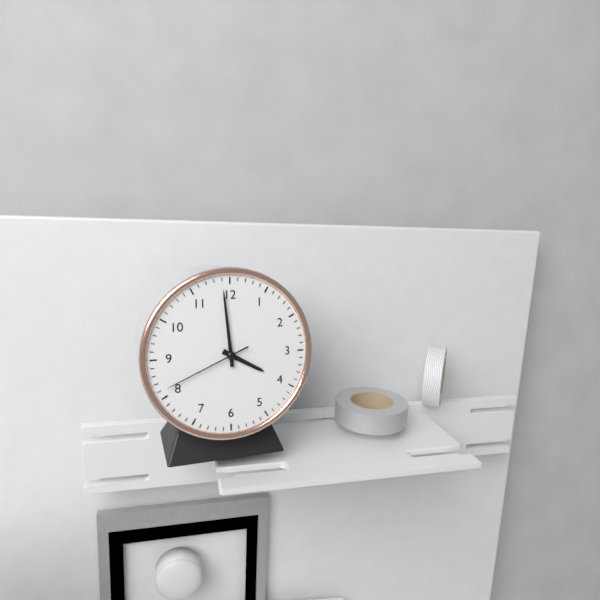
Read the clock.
3:59:41
